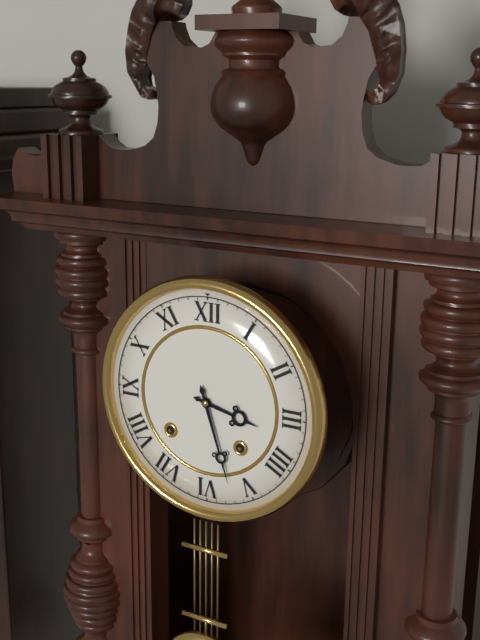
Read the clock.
3:27
